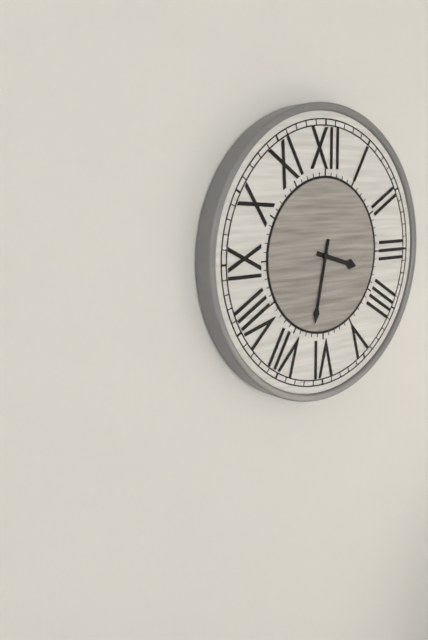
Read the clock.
3:32
